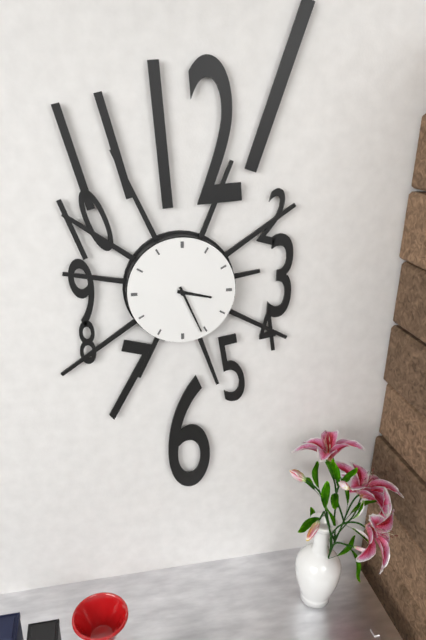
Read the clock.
3:26
